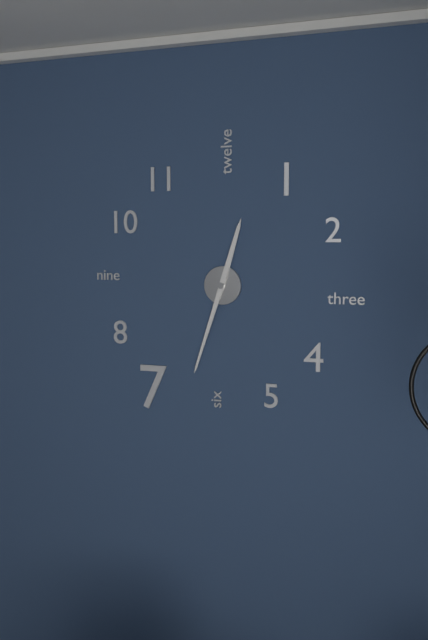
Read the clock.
12:33
